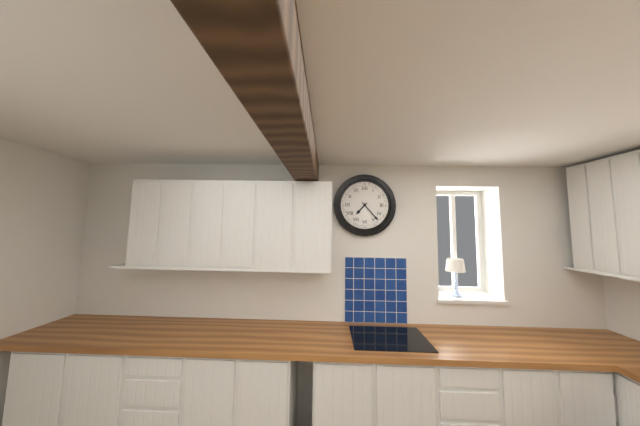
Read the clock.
7:23
